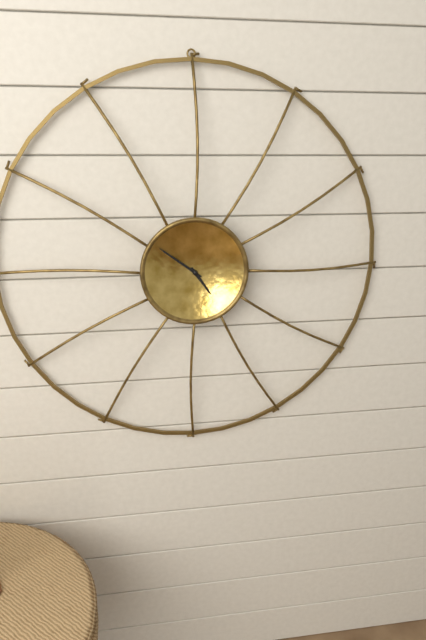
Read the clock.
4:51
